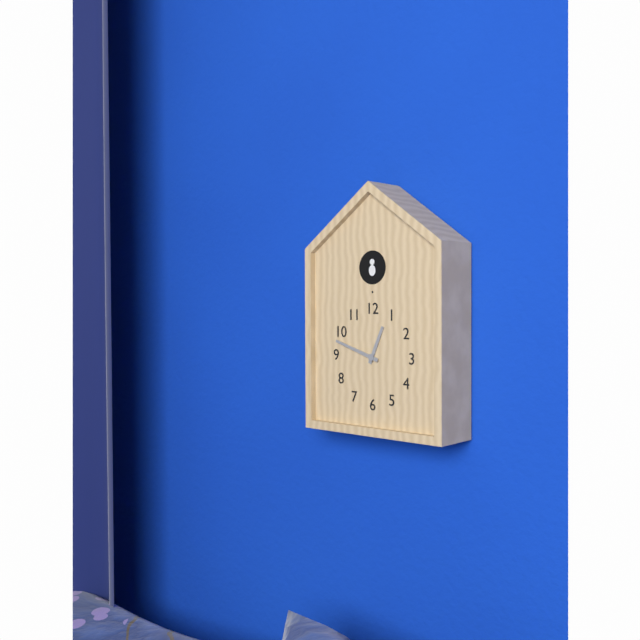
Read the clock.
12:48
